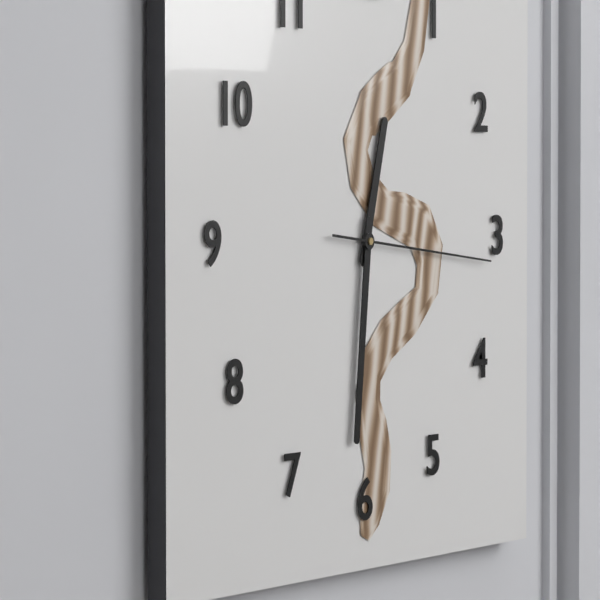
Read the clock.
12:31:16
